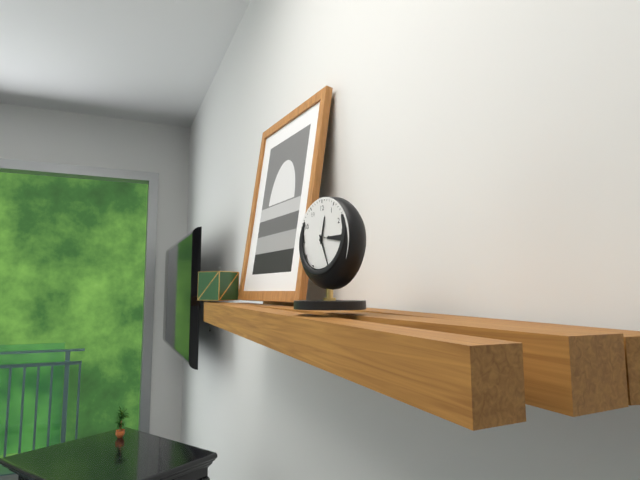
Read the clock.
12:26
